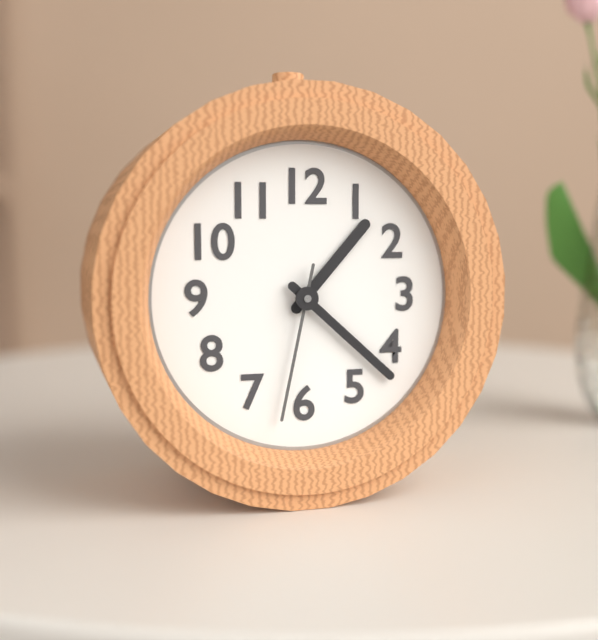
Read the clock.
1:22:32
